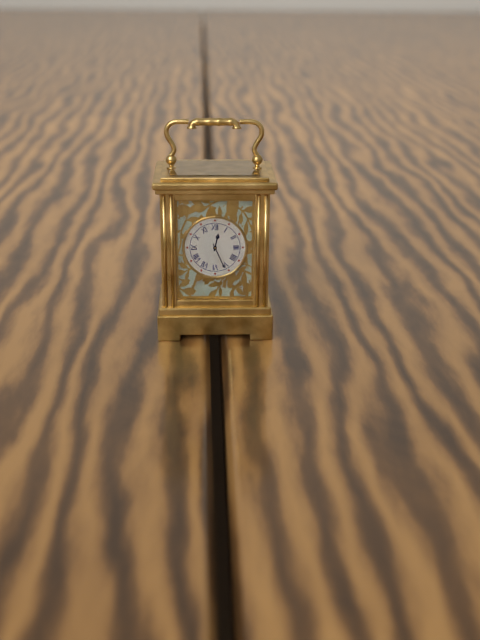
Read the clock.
12:26
